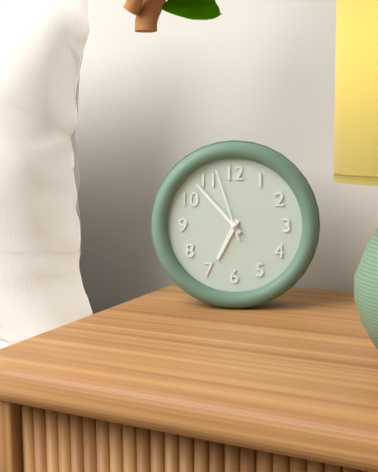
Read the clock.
6:53:57
